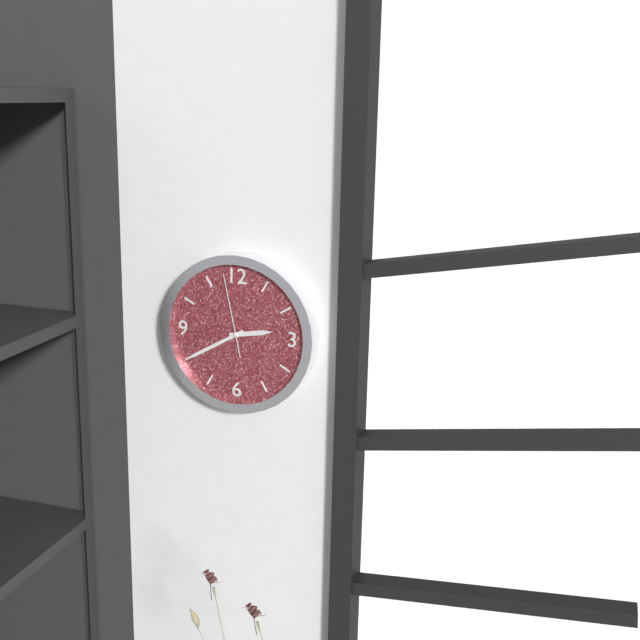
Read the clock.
2:40:58
